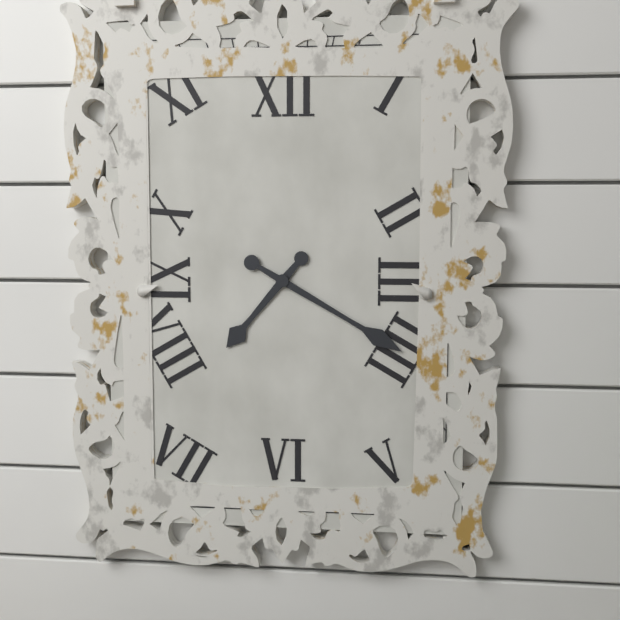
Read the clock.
7:20
